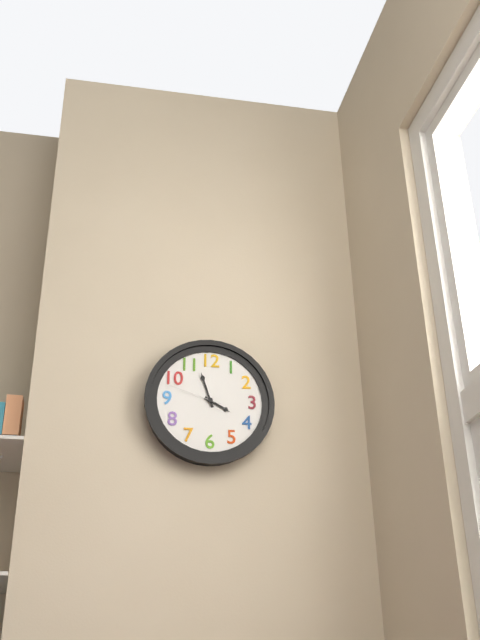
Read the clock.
3:57:48
